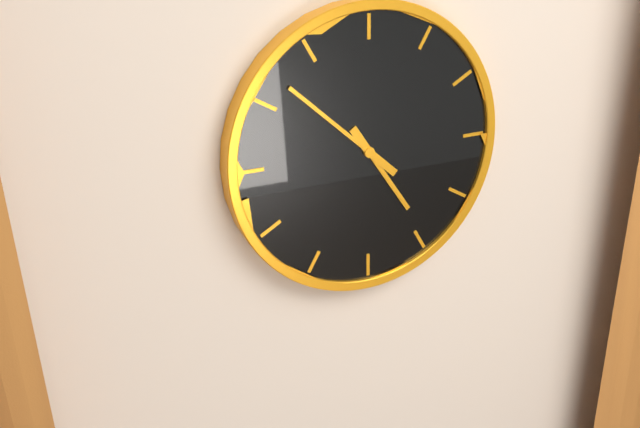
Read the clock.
4:52
